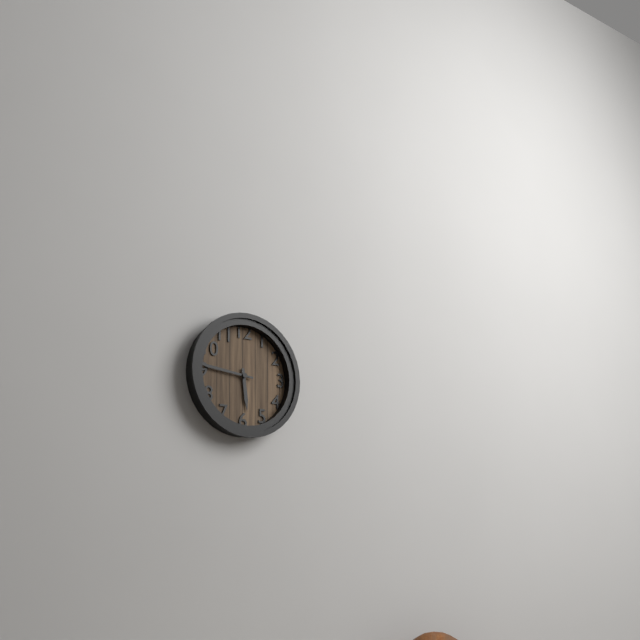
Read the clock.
5:46
